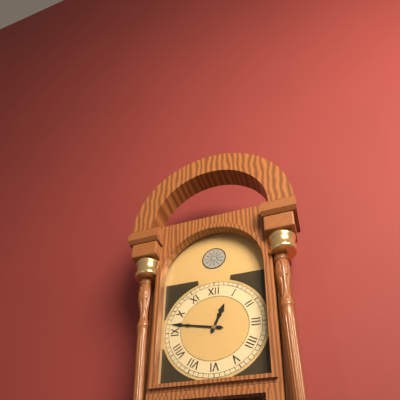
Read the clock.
12:47
